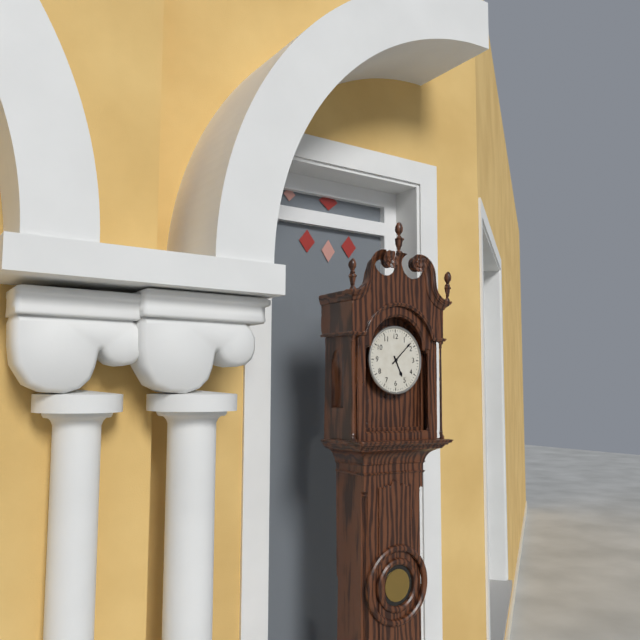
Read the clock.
5:08
